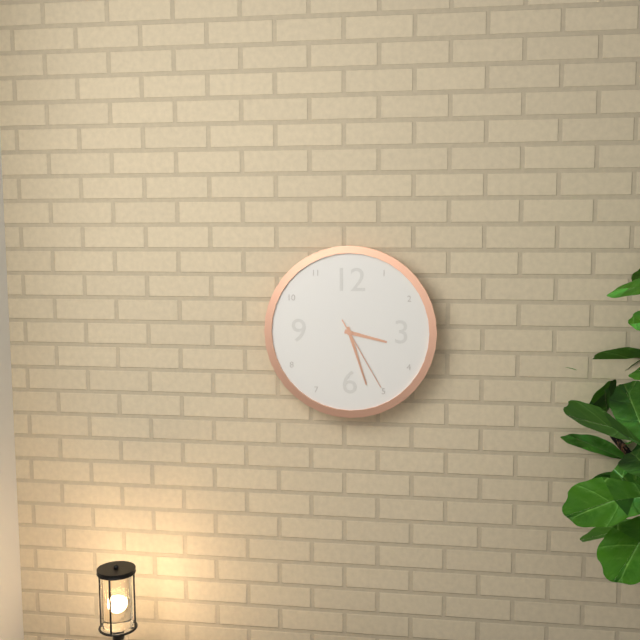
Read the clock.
3:27:25
